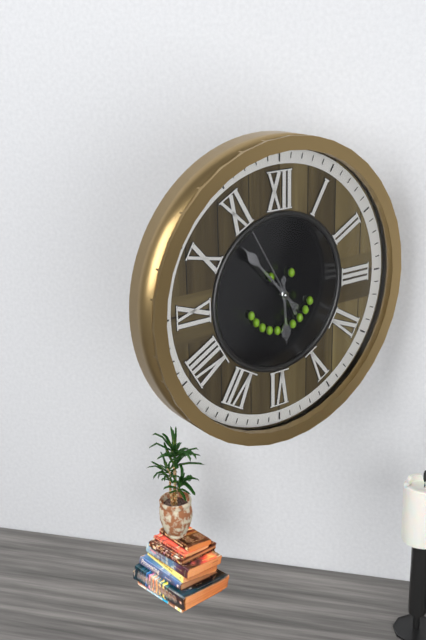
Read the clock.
5:53:55
